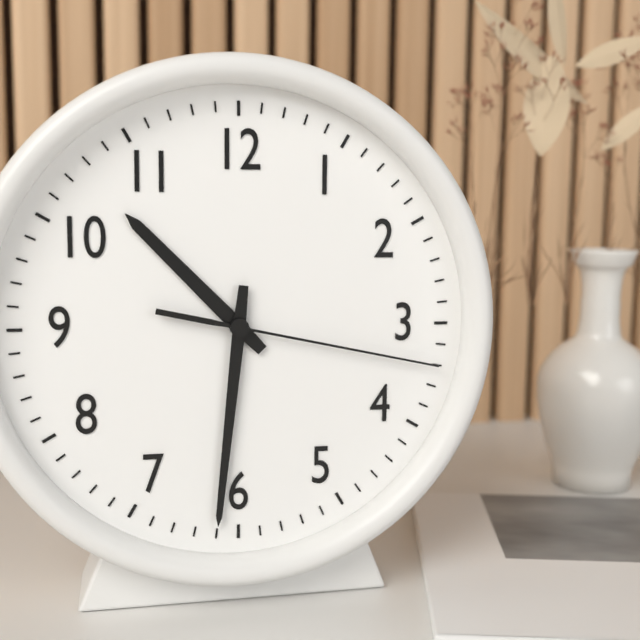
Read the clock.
10:31:17
